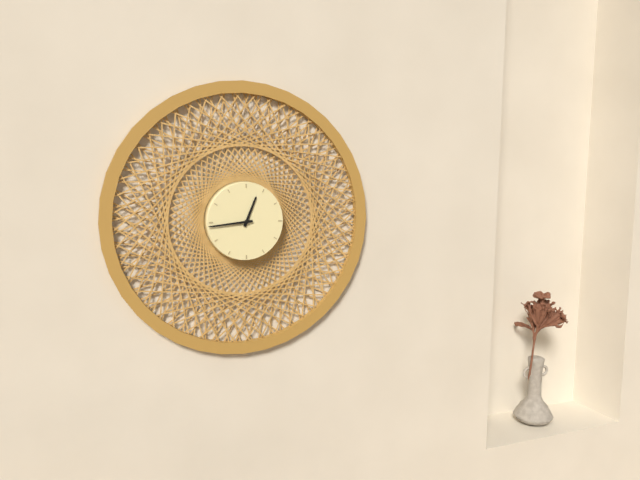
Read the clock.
12:44
